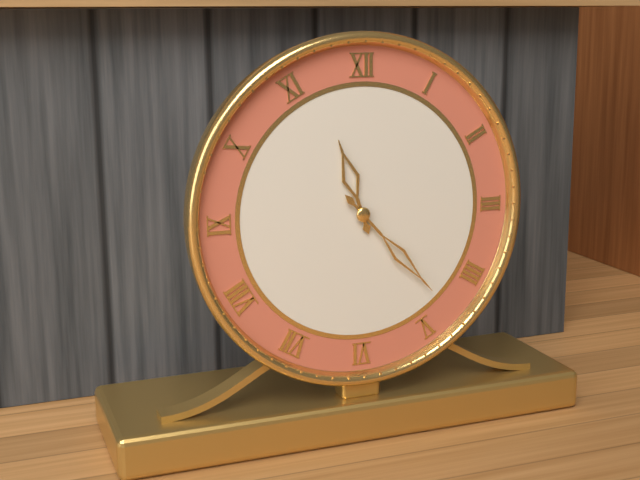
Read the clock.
11:23
